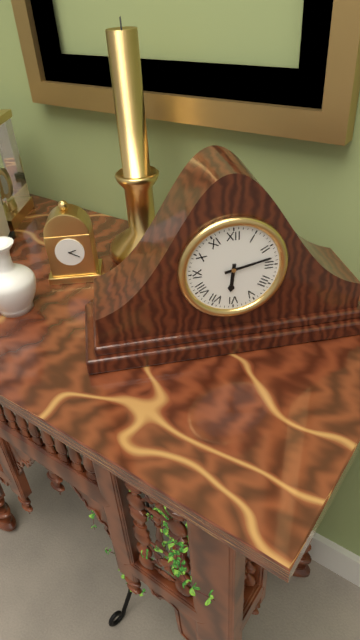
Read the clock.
6:13
